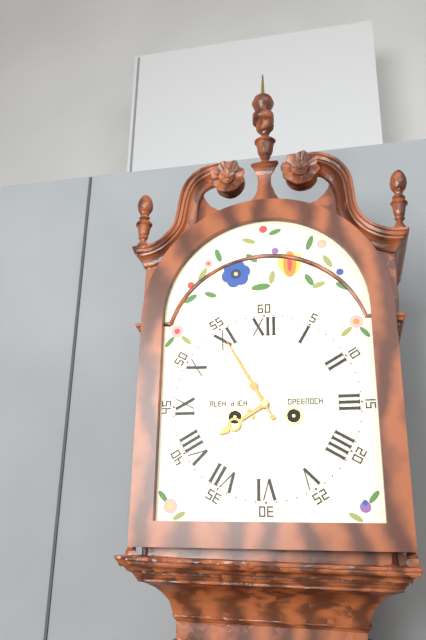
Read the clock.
7:55
